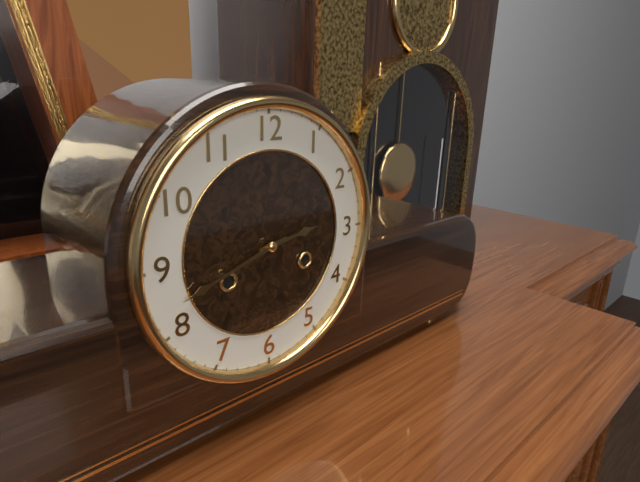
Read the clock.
2:42
